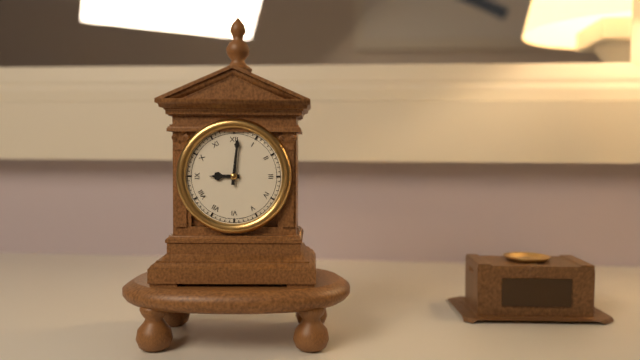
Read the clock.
9:01
